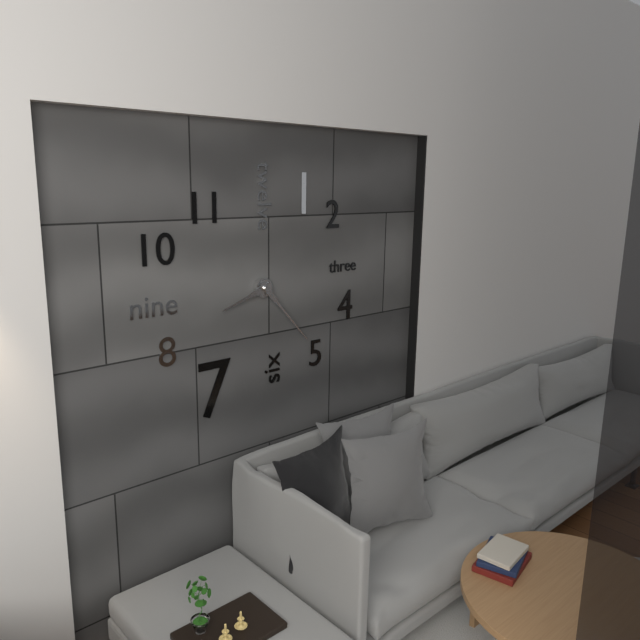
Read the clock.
8:23
